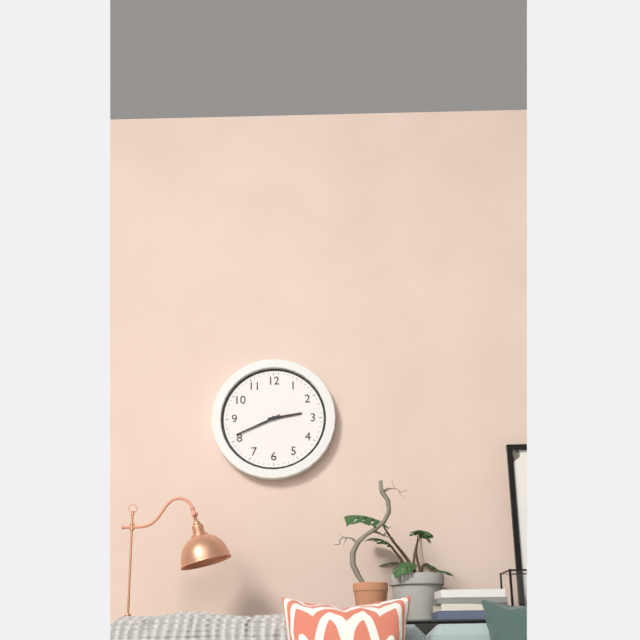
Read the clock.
2:41
